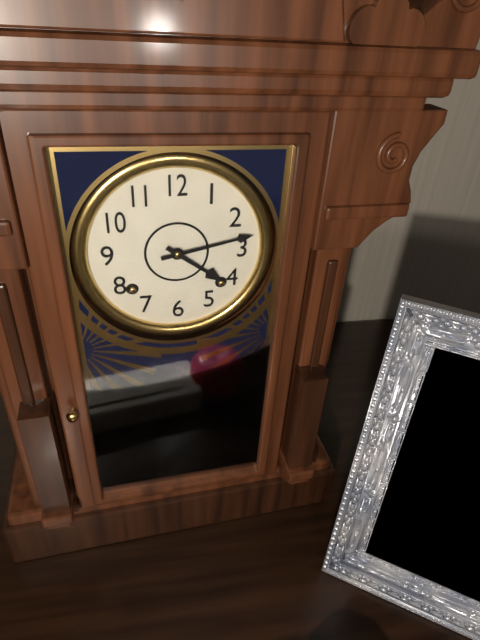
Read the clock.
4:13
